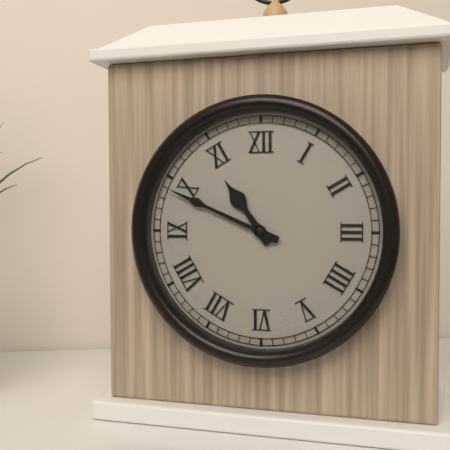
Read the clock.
10:49
